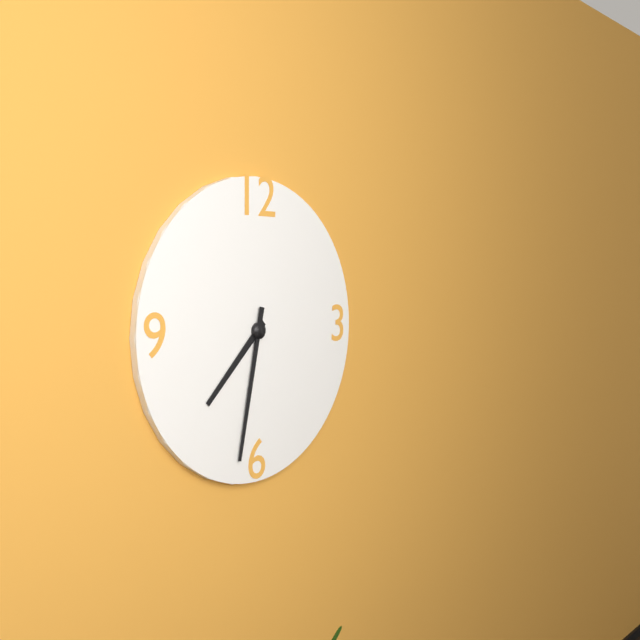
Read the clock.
7:32
